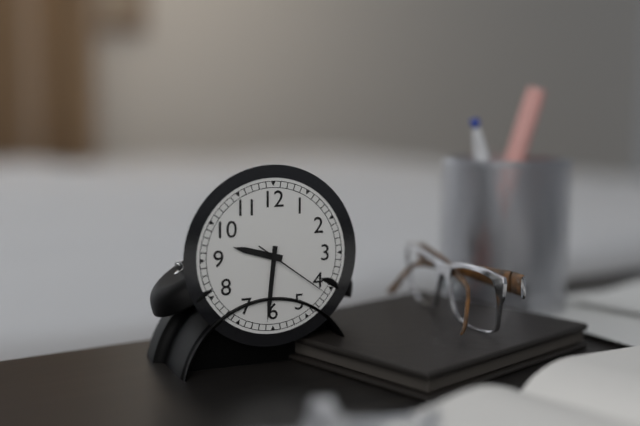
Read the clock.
9:31:21
